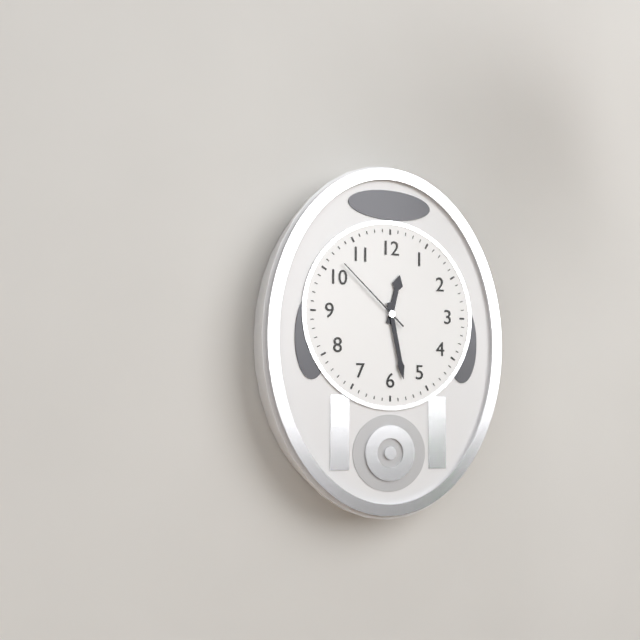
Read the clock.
12:28:52
